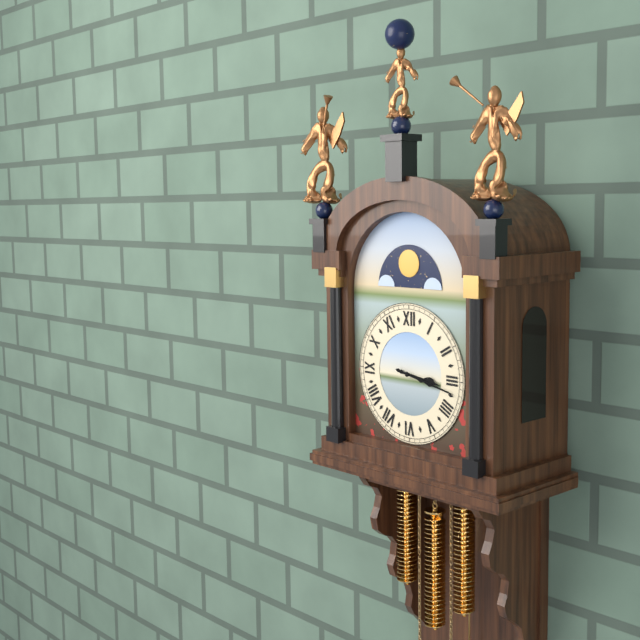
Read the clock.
3:17
